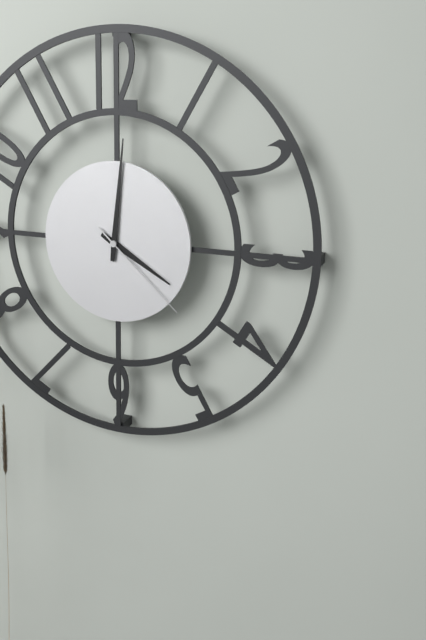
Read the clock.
4:01:22
